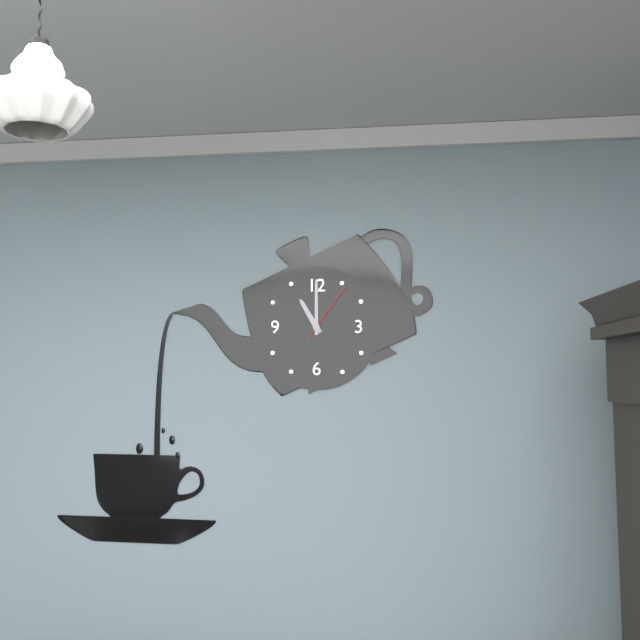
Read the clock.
11:00:06
